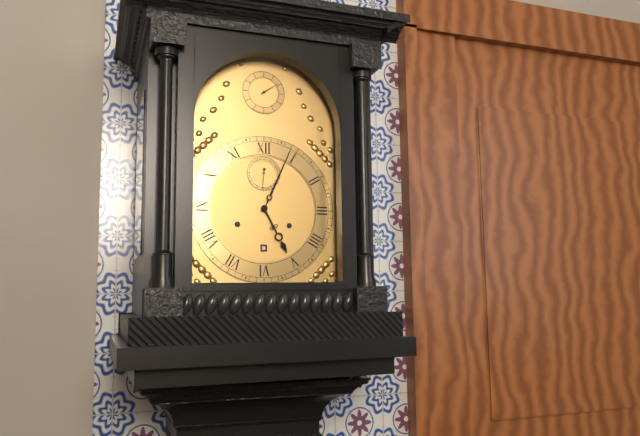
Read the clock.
5:04
